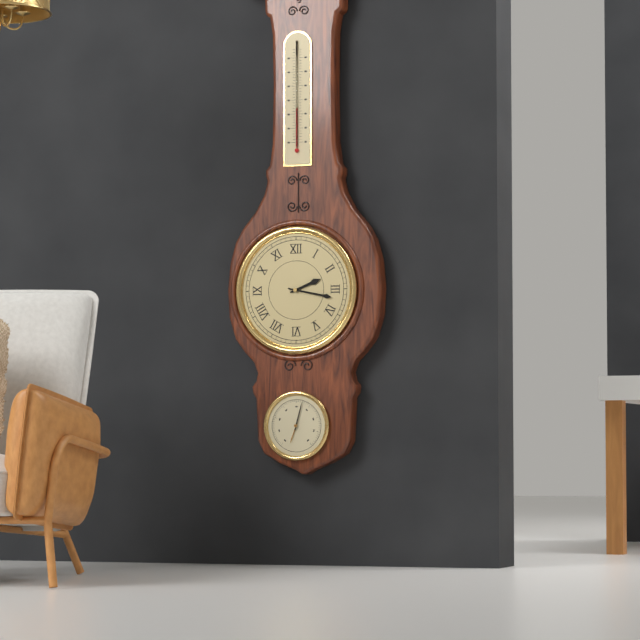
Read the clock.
2:17
